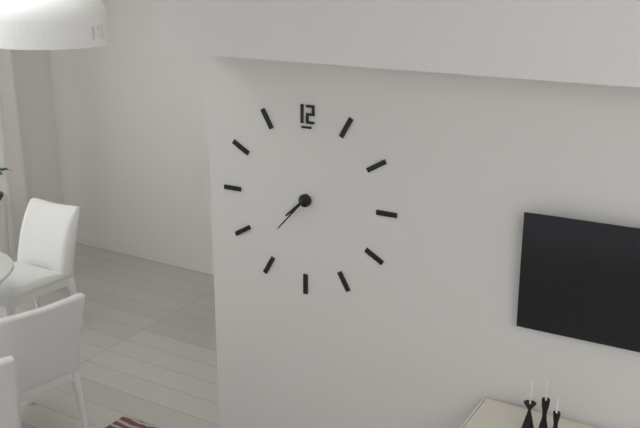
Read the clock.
7:37
